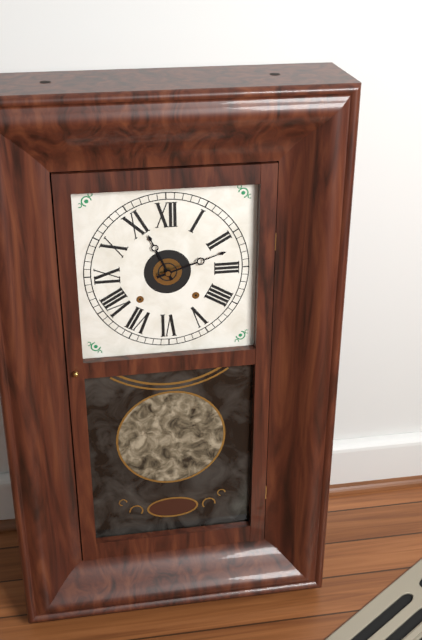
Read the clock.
11:12
